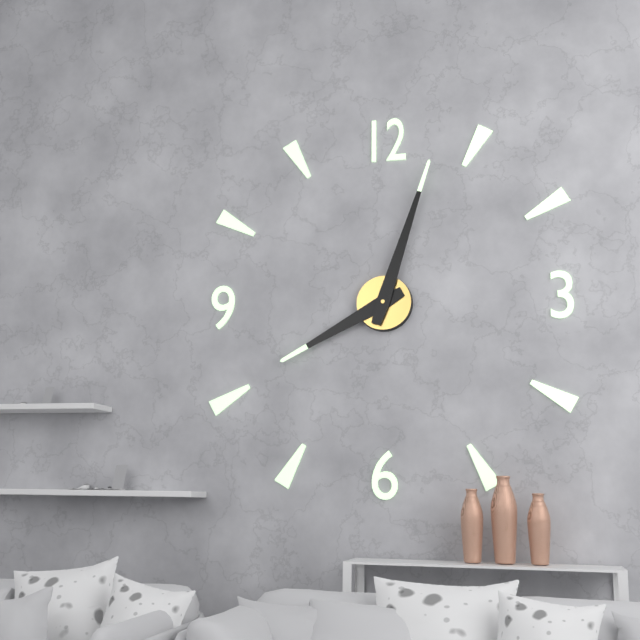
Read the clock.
8:03
